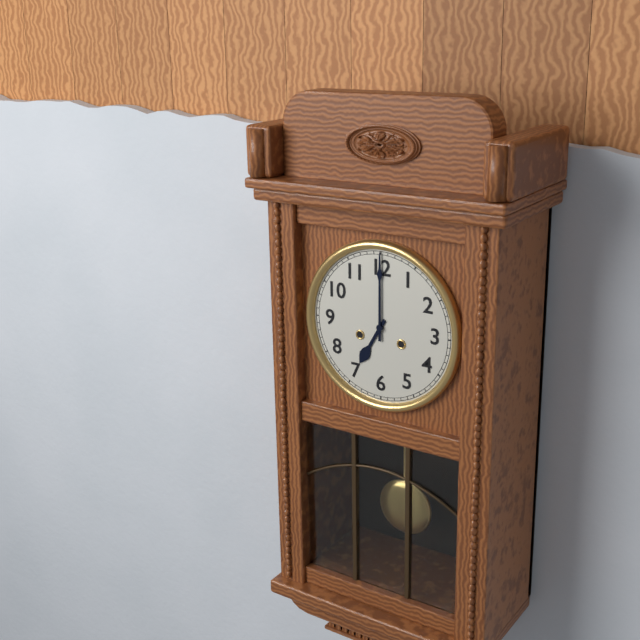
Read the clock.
7:00
